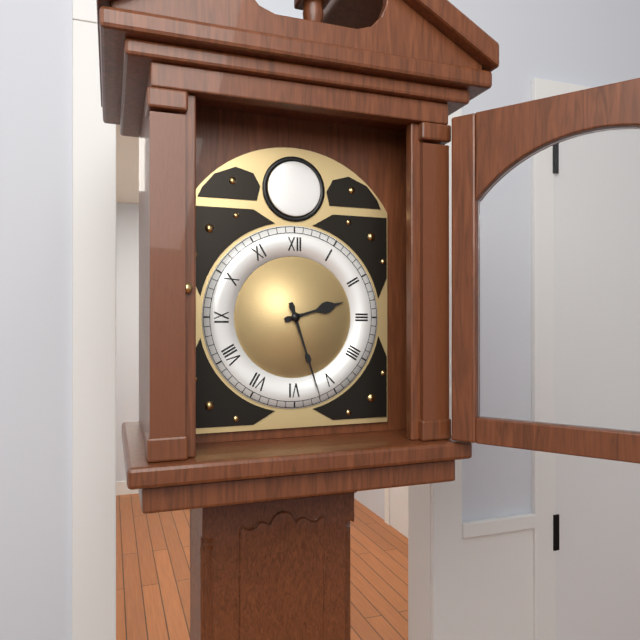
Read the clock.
2:27
